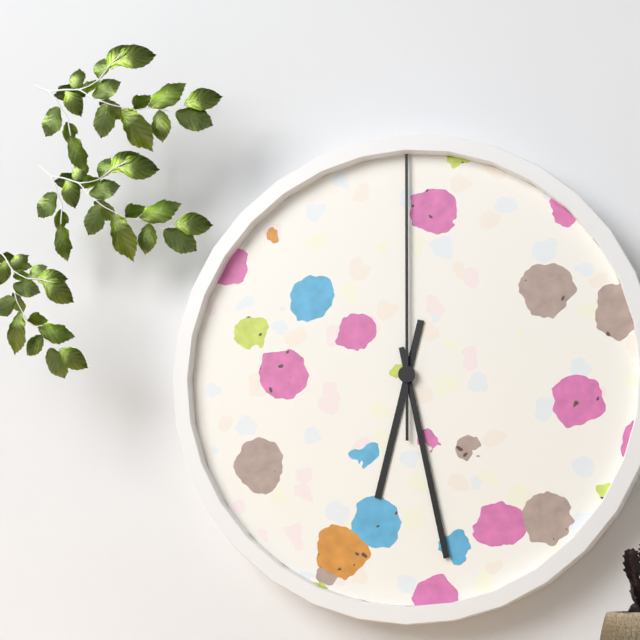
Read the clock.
6:28:00
